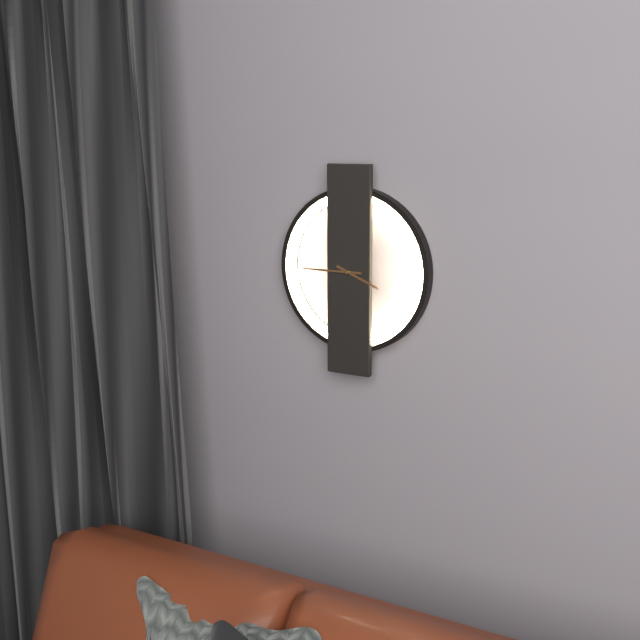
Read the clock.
3:45
